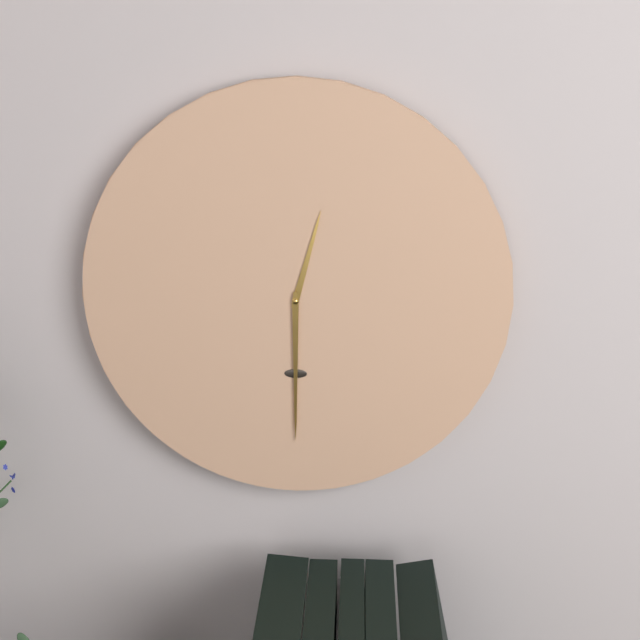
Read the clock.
12:30
